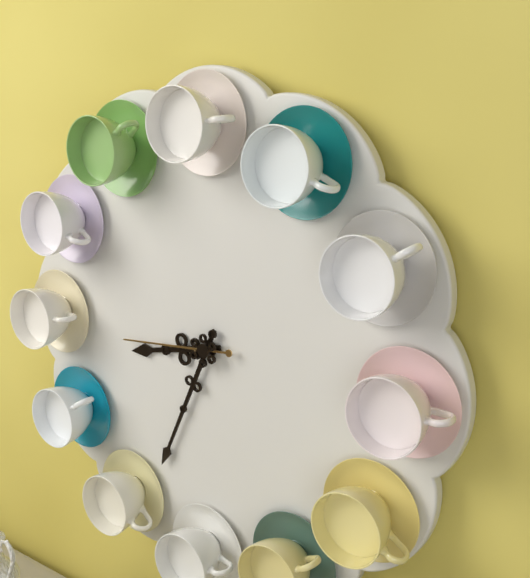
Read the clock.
8:34:44
